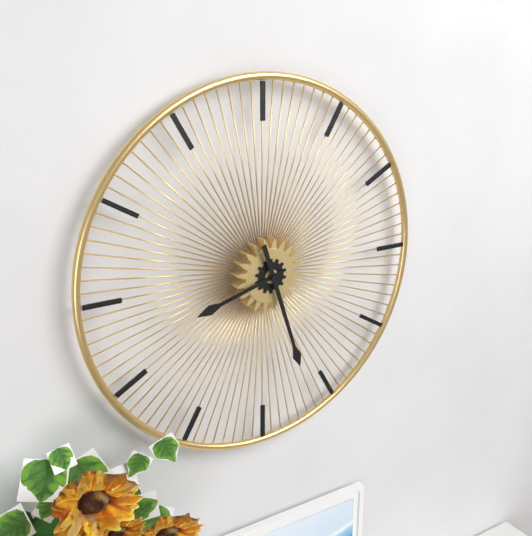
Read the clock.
8:27
